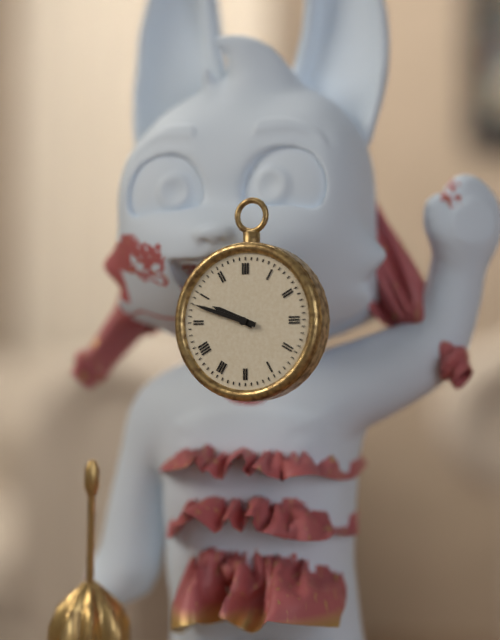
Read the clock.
9:48
